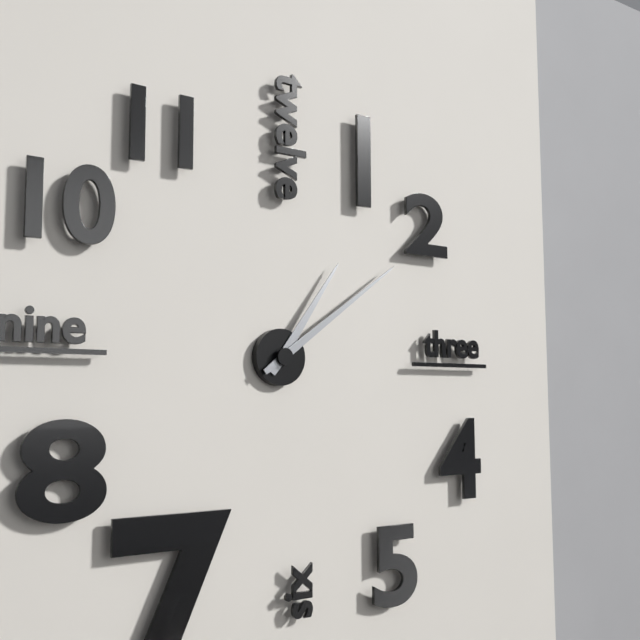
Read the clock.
1:09
